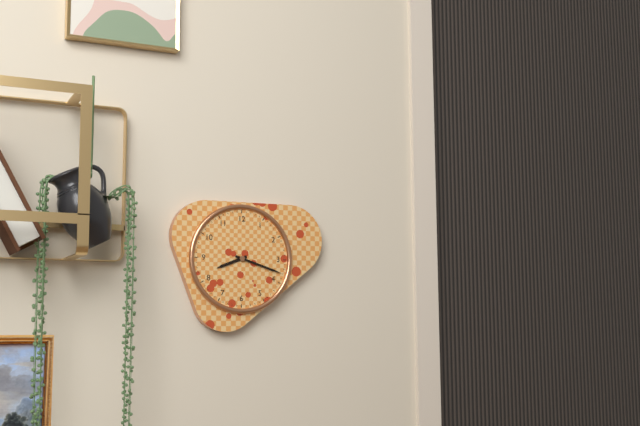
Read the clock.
8:18
